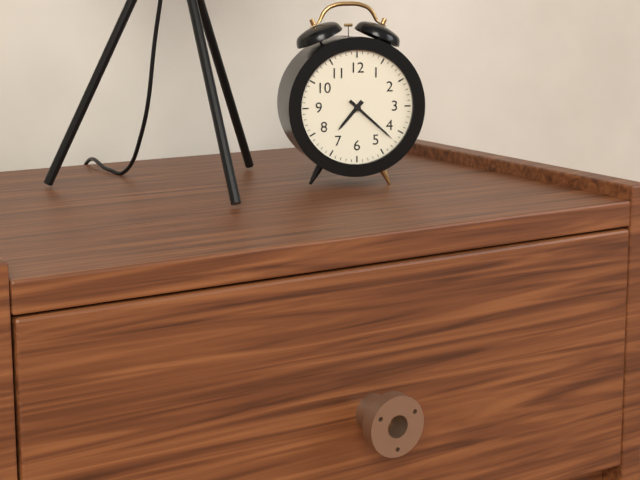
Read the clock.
7:22
